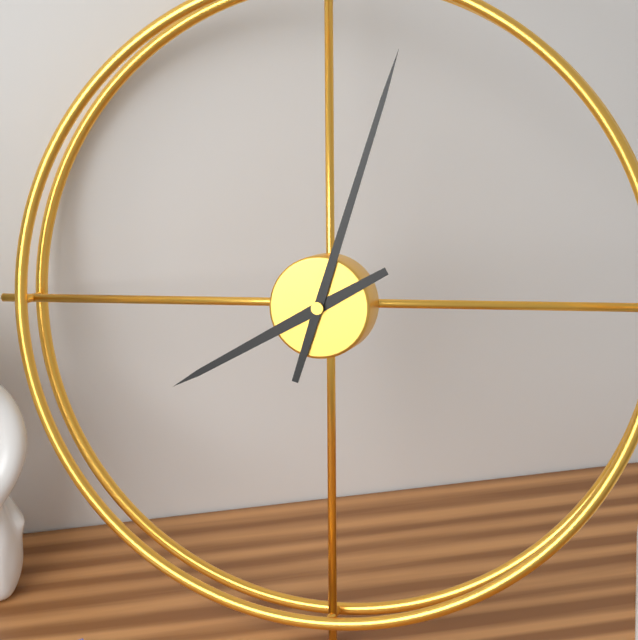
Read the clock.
8:03
